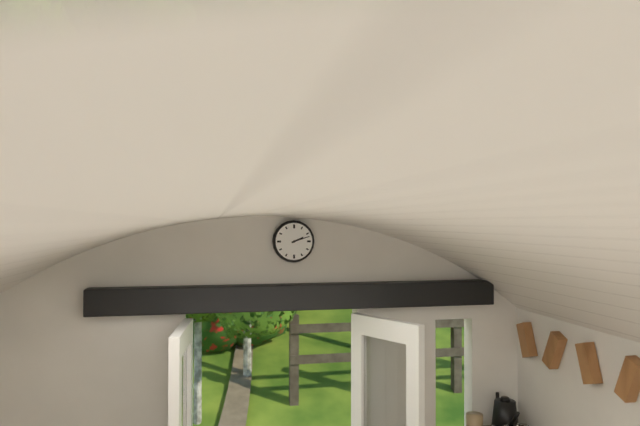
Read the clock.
2:12
